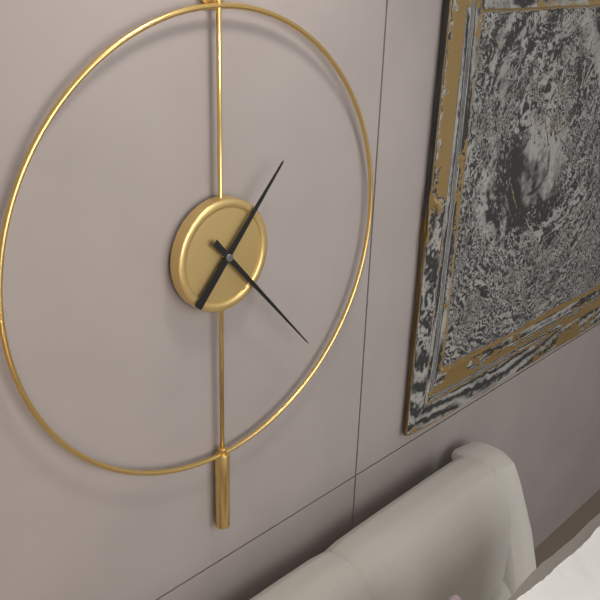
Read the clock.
1:23
